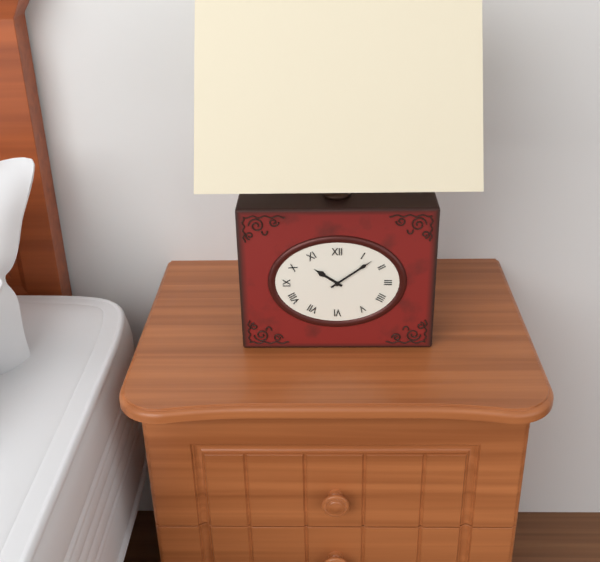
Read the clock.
10:09
